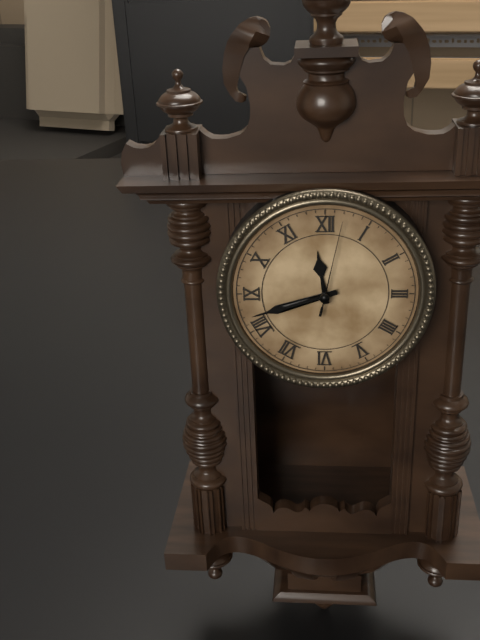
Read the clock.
11:42:02
